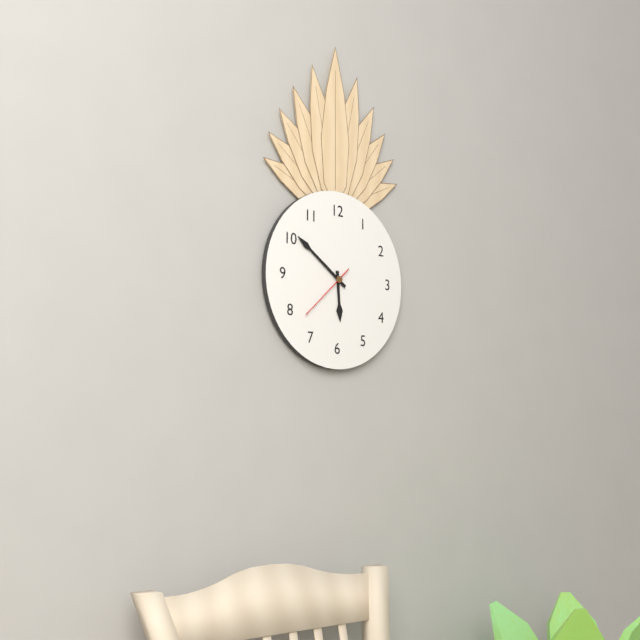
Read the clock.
5:51:38
